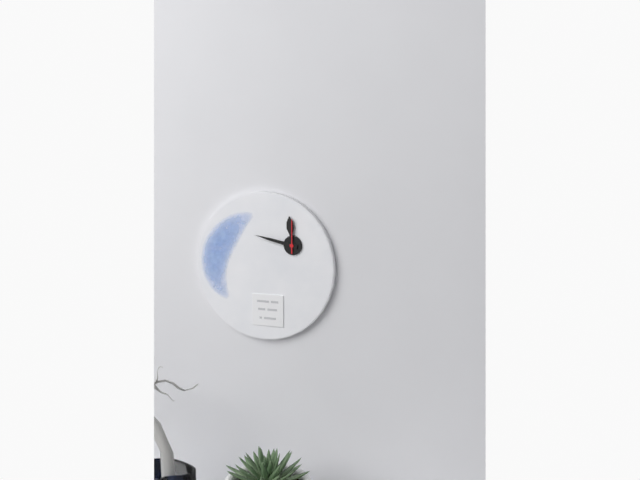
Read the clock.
11:47
